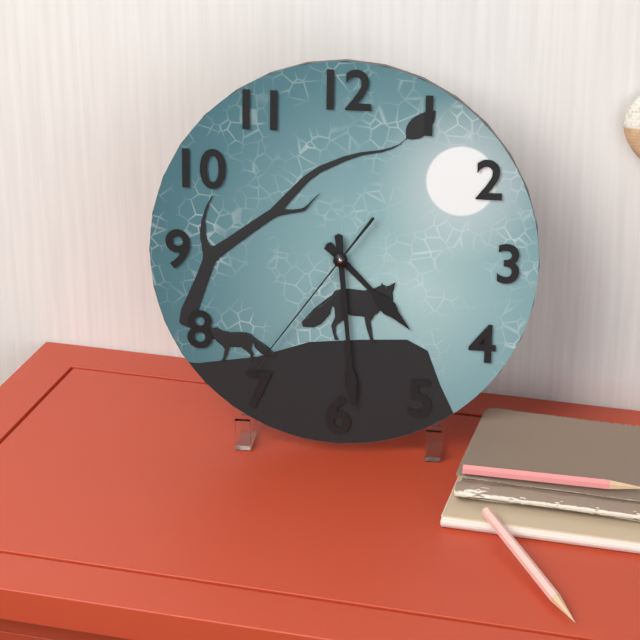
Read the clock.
4:29:36
